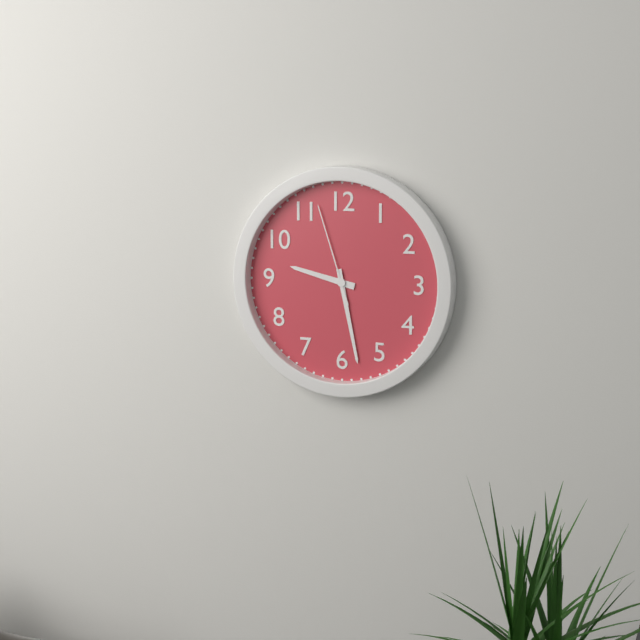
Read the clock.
9:28:57
